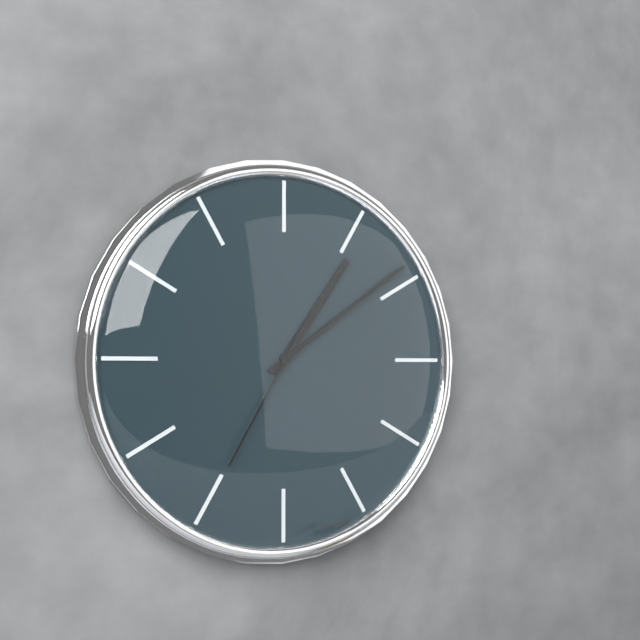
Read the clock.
1:09:35
